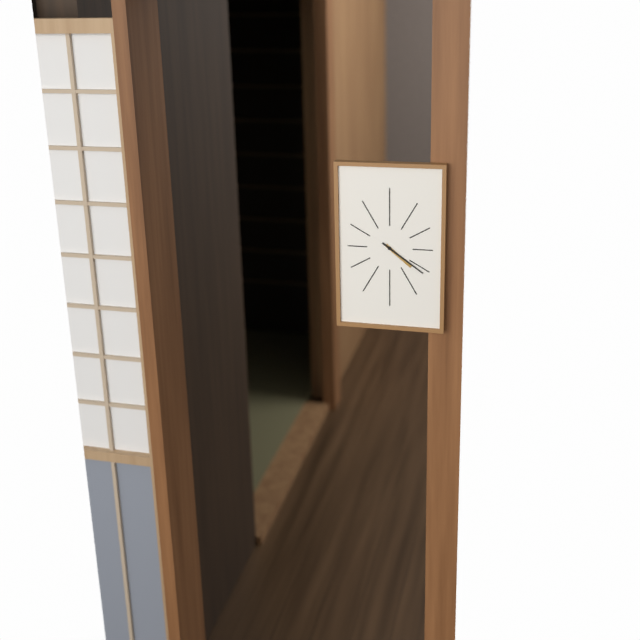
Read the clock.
4:21
